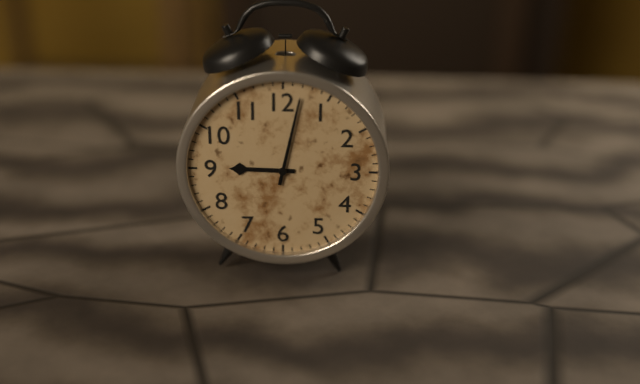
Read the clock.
9:02
